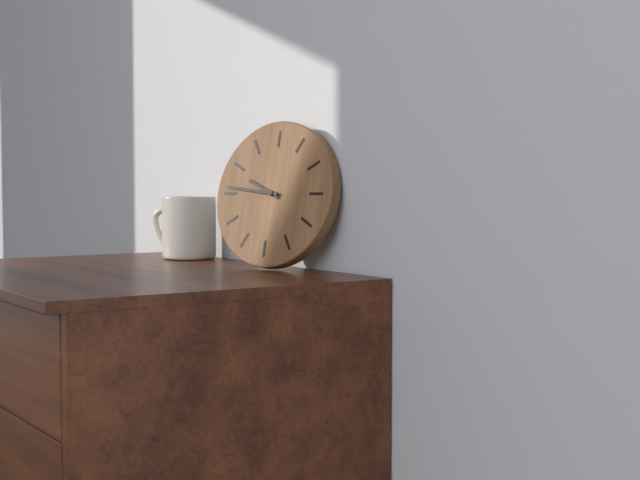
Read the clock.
9:46
